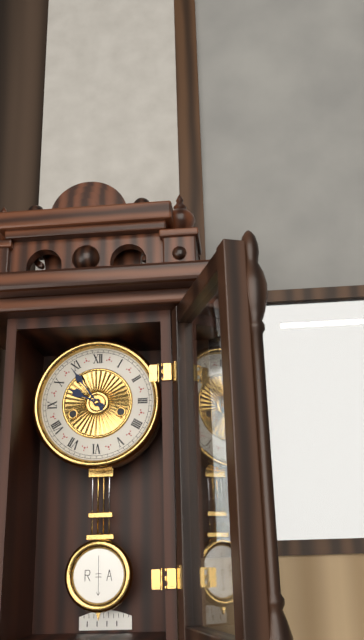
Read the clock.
9:54
